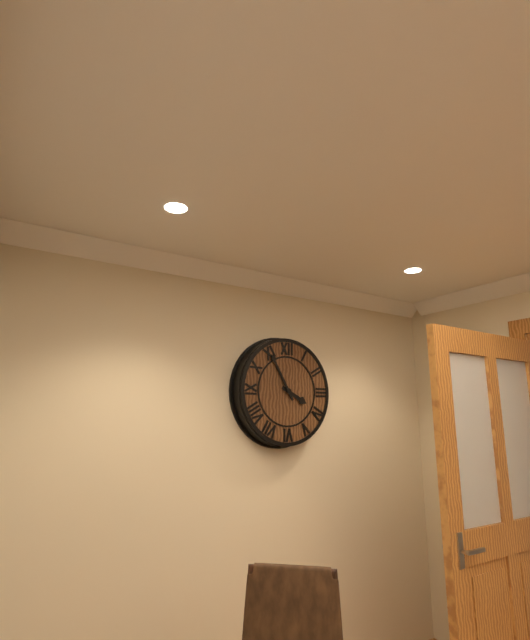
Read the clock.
3:55
